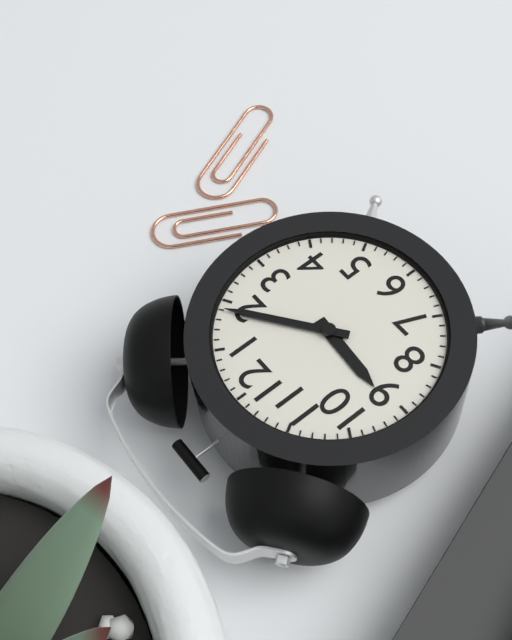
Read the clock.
9:09
